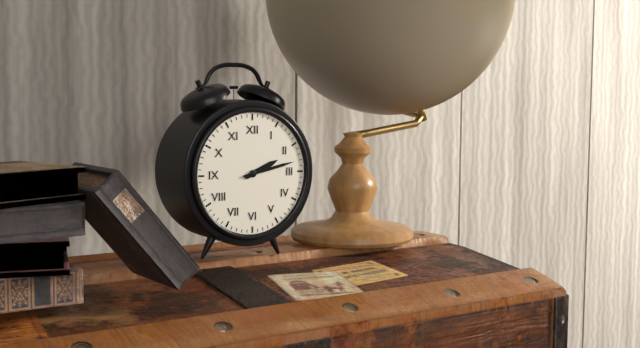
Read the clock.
2:13
